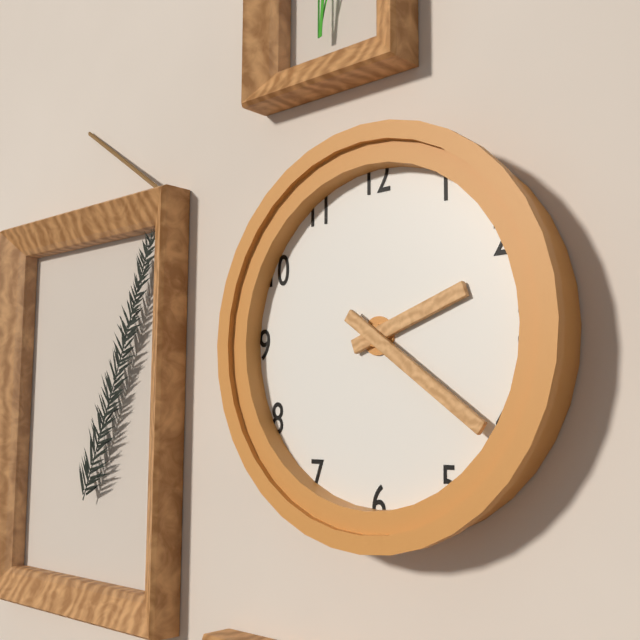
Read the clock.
2:21
